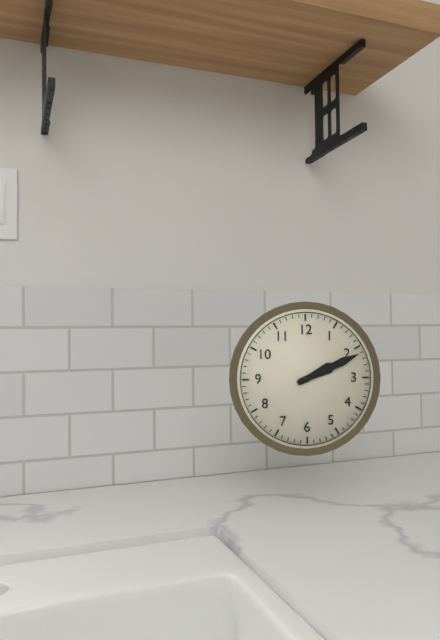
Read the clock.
2:11
